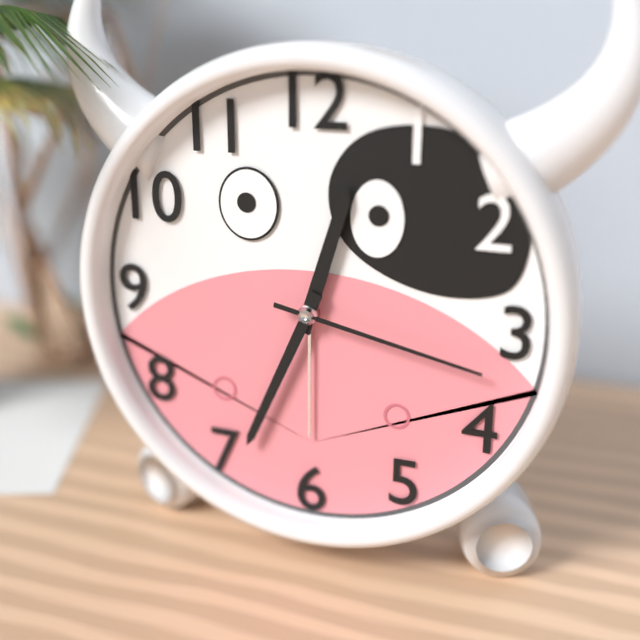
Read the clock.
12:34:17
